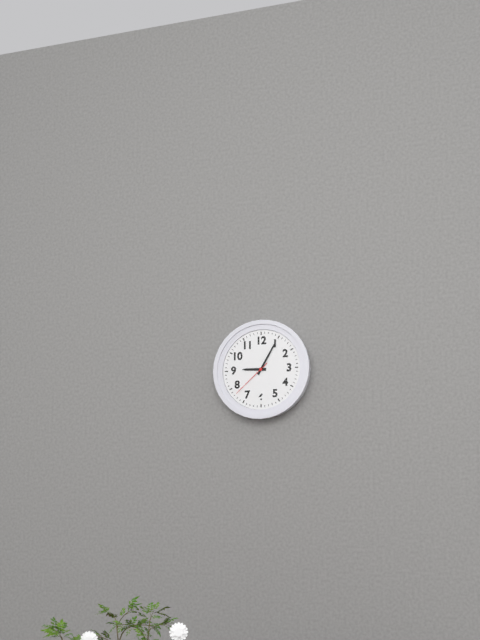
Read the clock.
9:05
